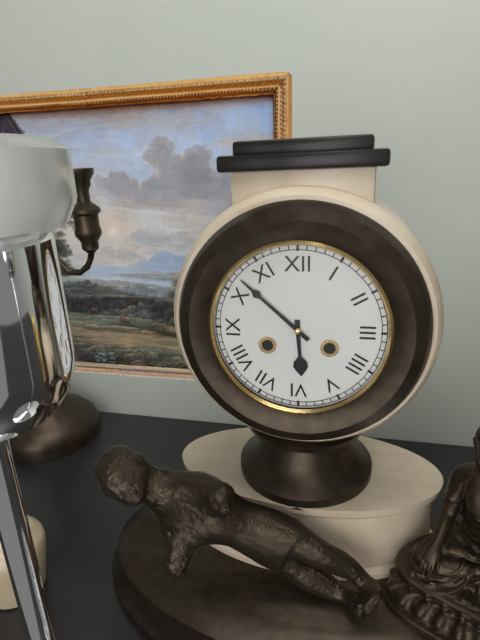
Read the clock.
5:52
